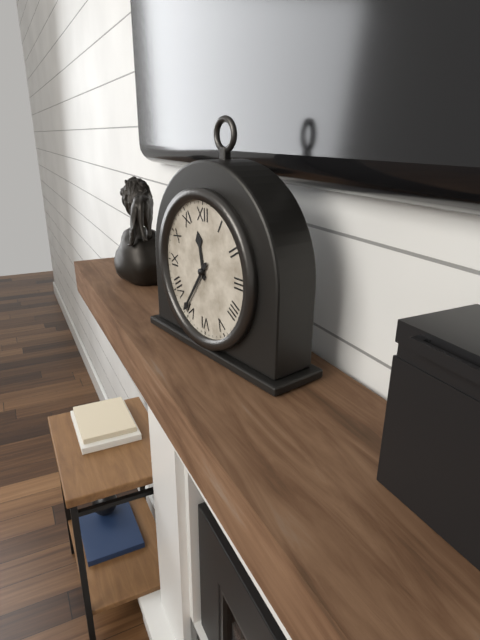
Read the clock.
11:36
